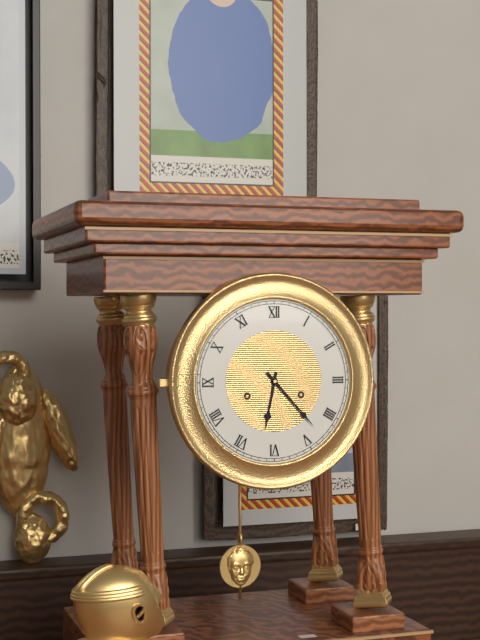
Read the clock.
6:23
